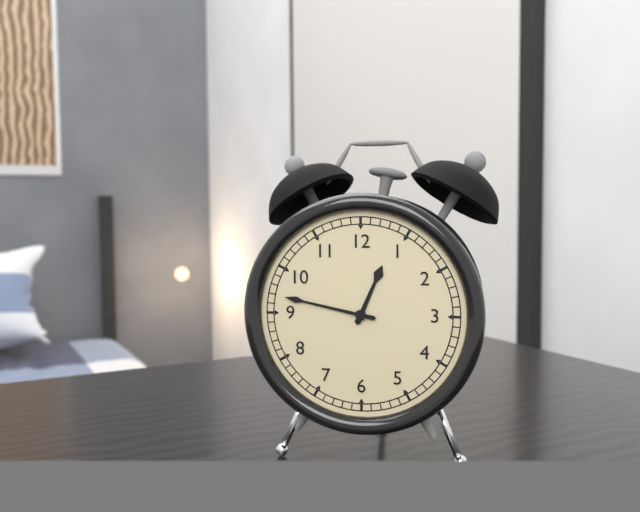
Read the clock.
12:47
